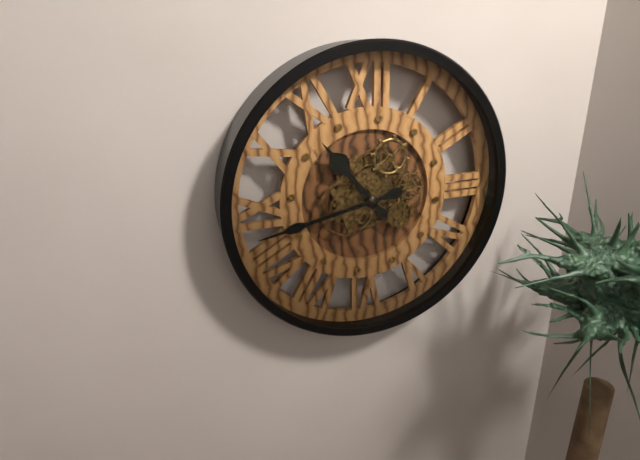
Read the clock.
10:43
